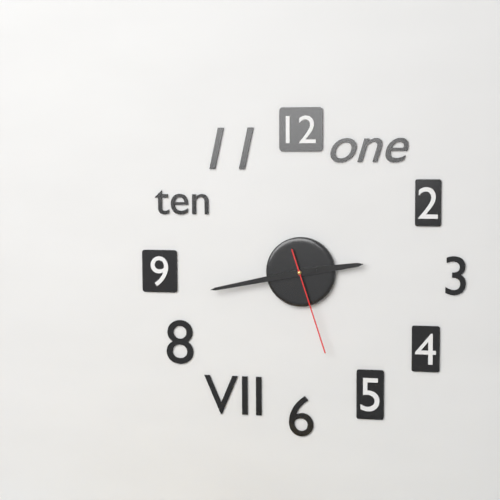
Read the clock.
2:43:27
